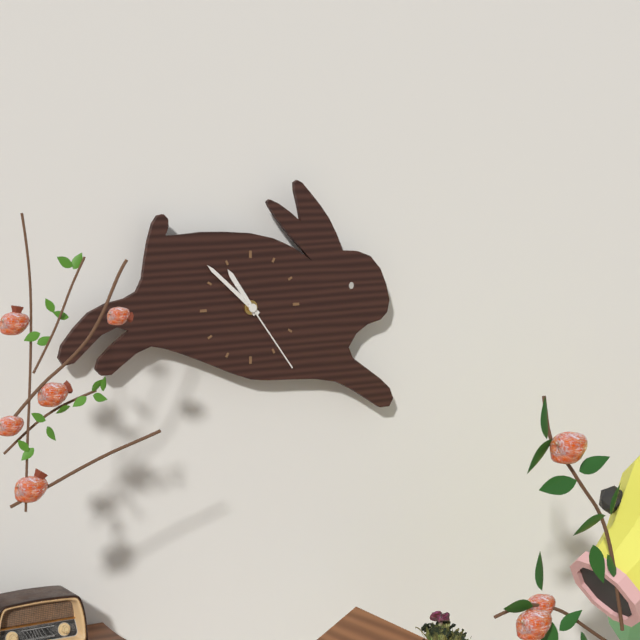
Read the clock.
10:52:24
